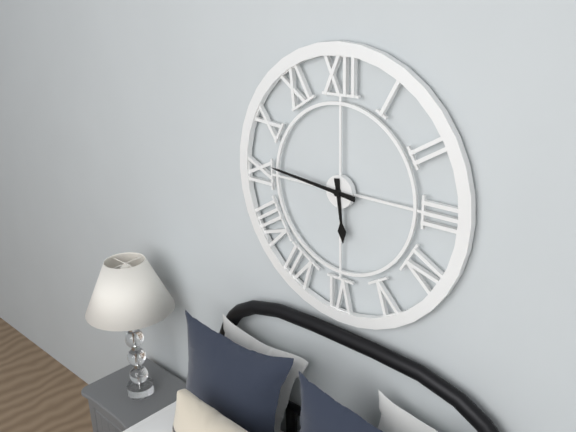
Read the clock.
5:46
